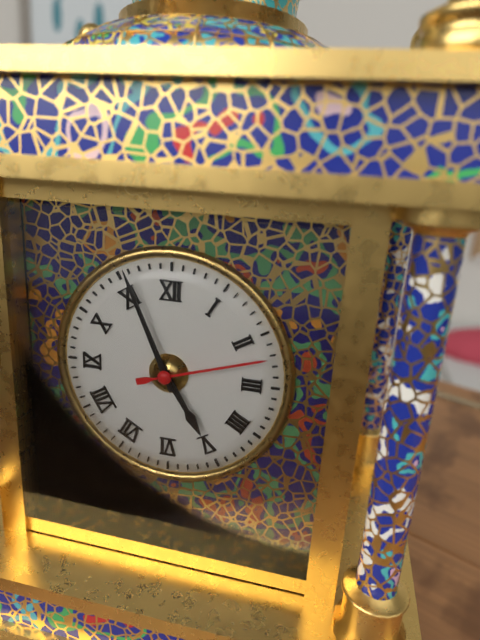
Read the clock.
4:56:12
